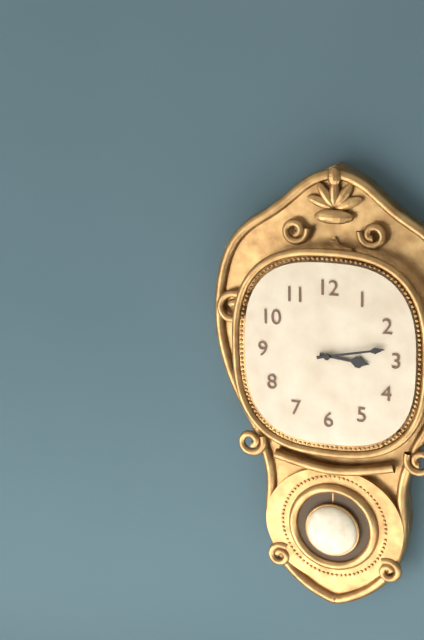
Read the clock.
3:13
